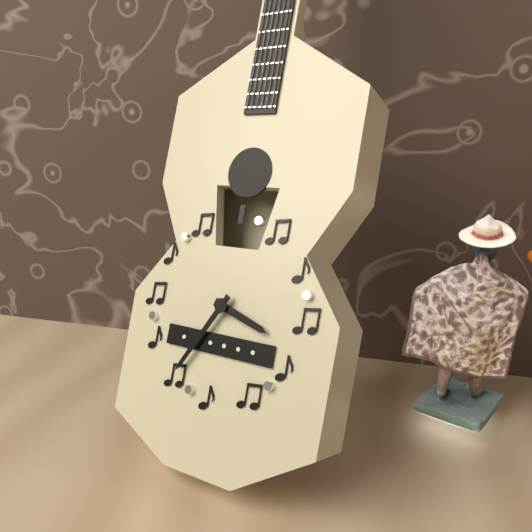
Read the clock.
3:35
